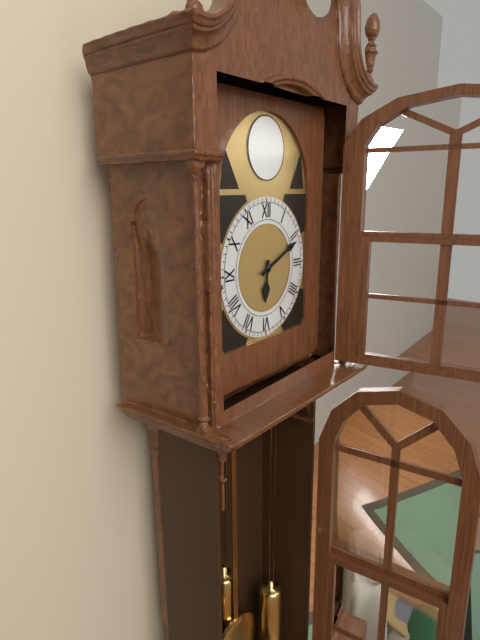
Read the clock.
6:11
